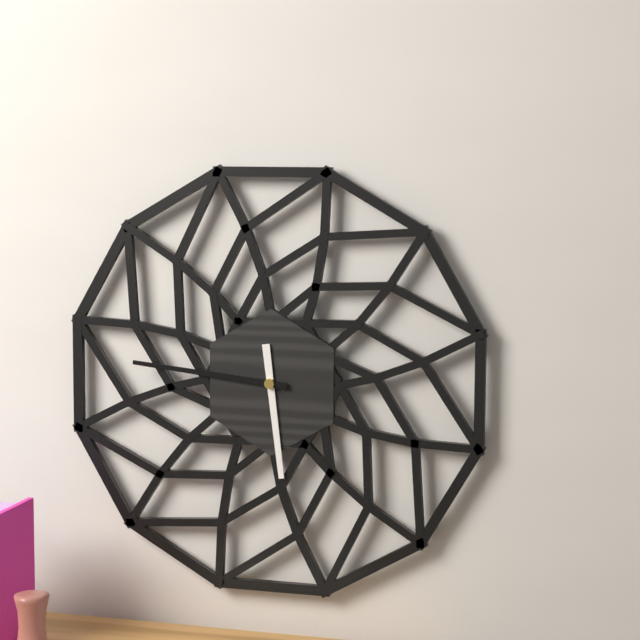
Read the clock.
5:46
